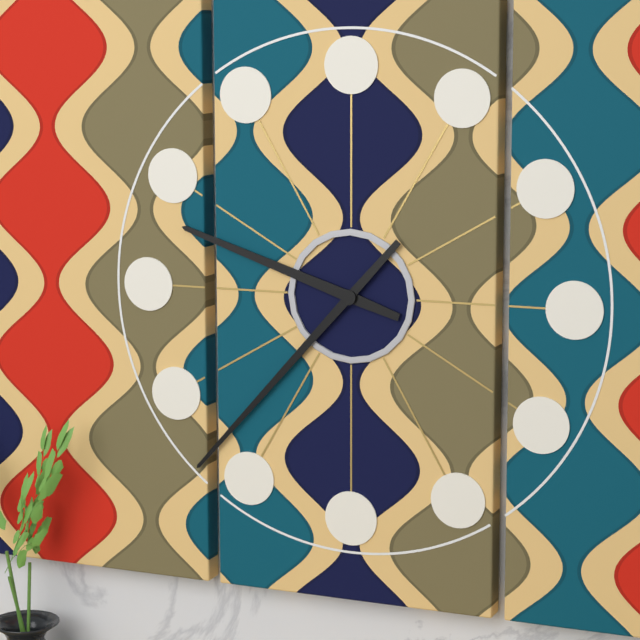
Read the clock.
9:37
